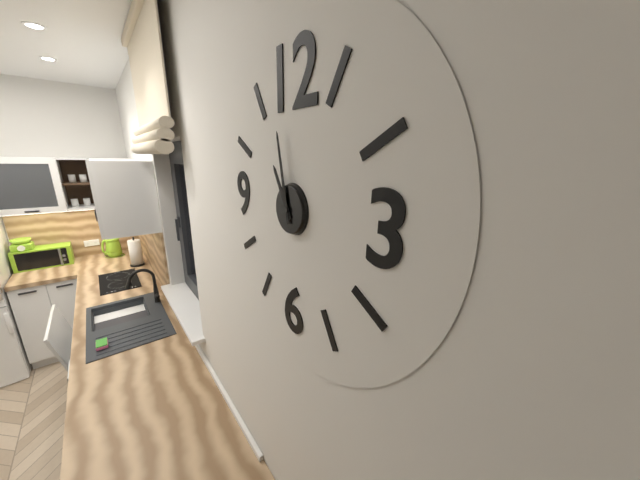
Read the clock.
10:58
